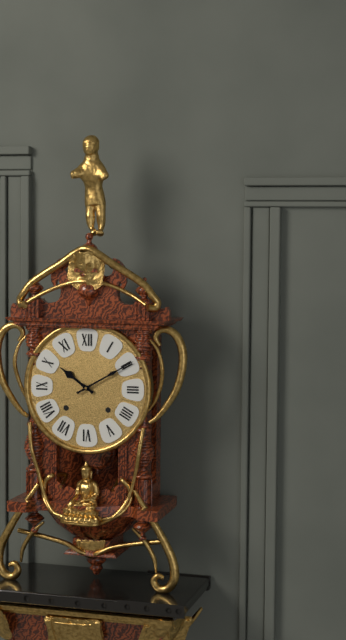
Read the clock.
10:10
